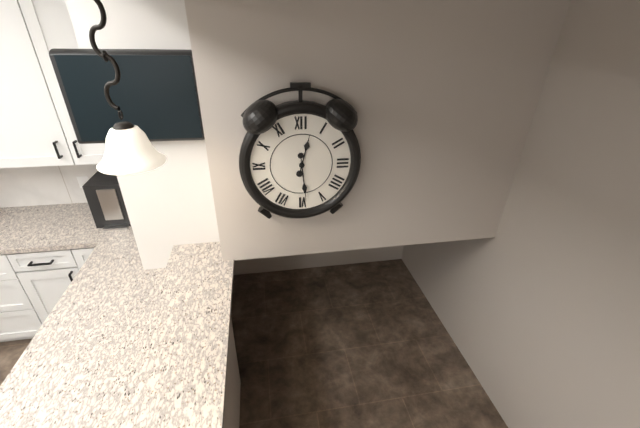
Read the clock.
12:29
